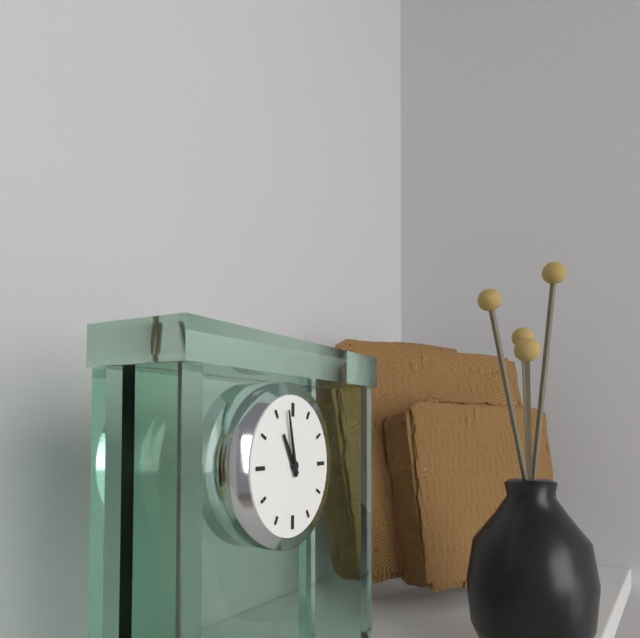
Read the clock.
10:58
